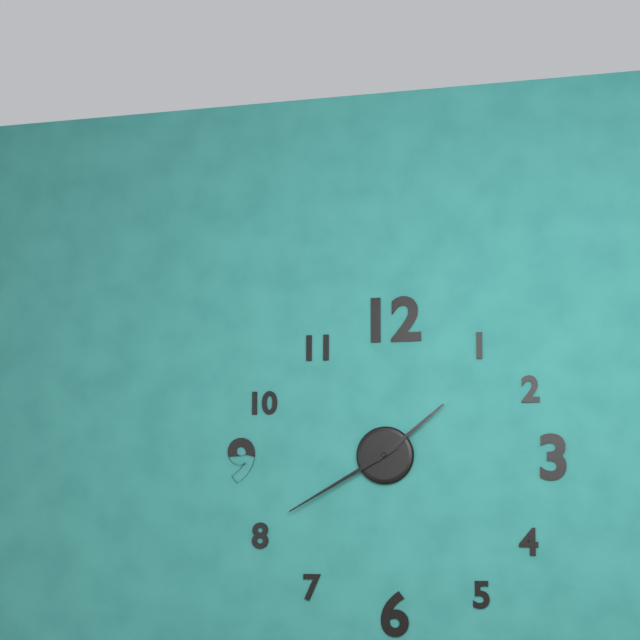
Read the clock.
1:40
